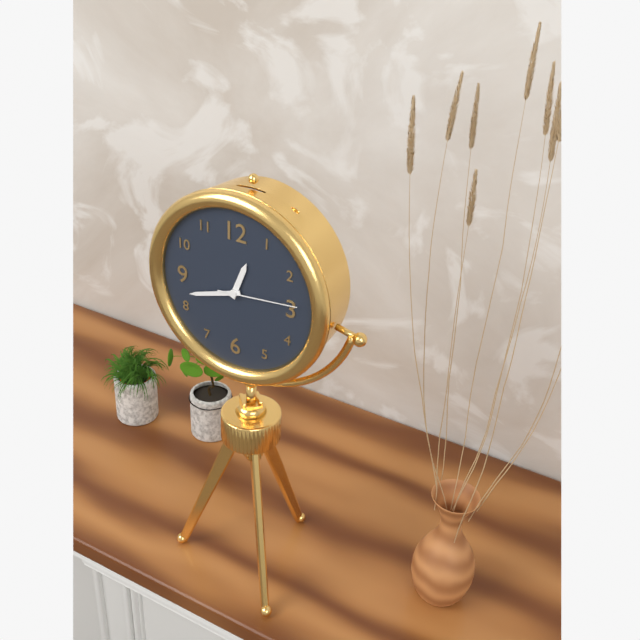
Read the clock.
12:42:14
